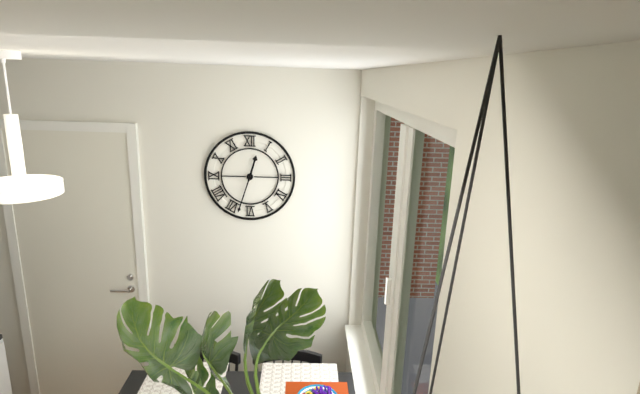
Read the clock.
12:33
